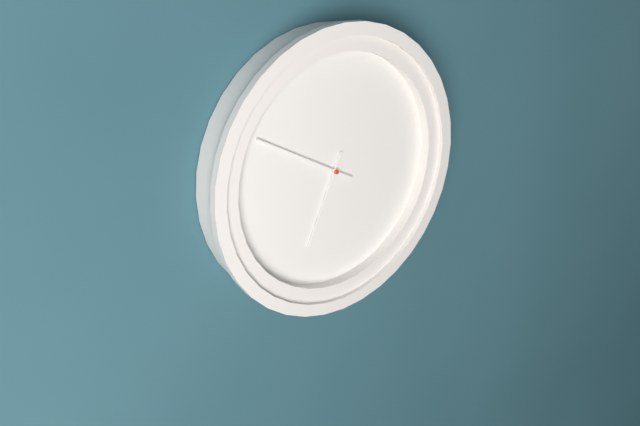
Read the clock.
6:50
